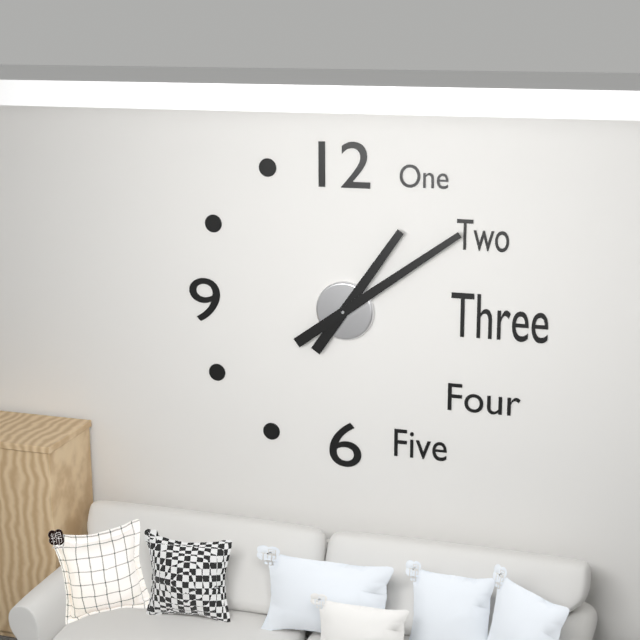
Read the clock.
1:09
